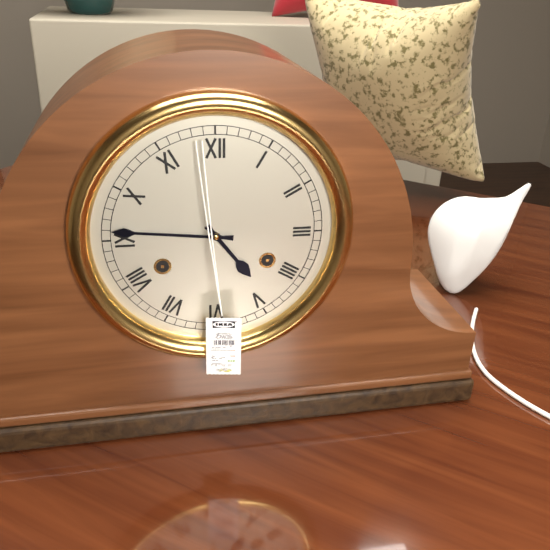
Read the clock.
4:46
